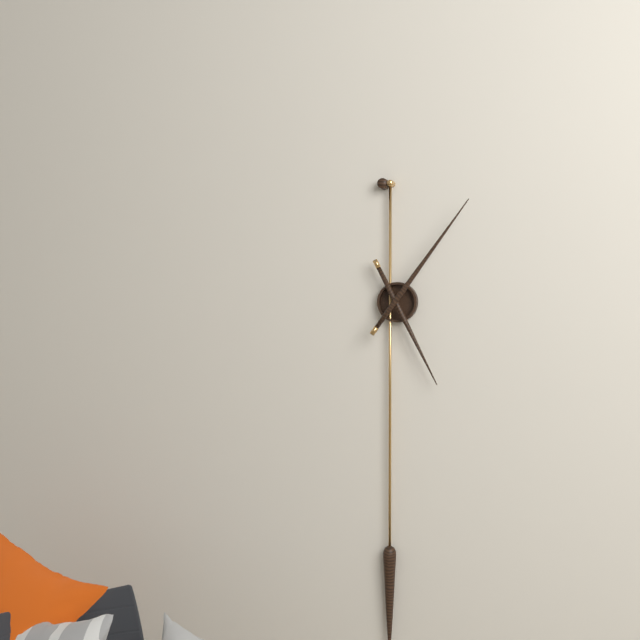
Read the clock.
5:06
